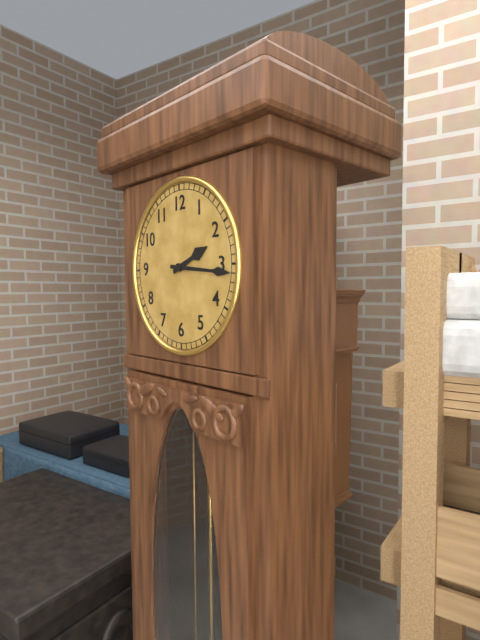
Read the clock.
2:16
